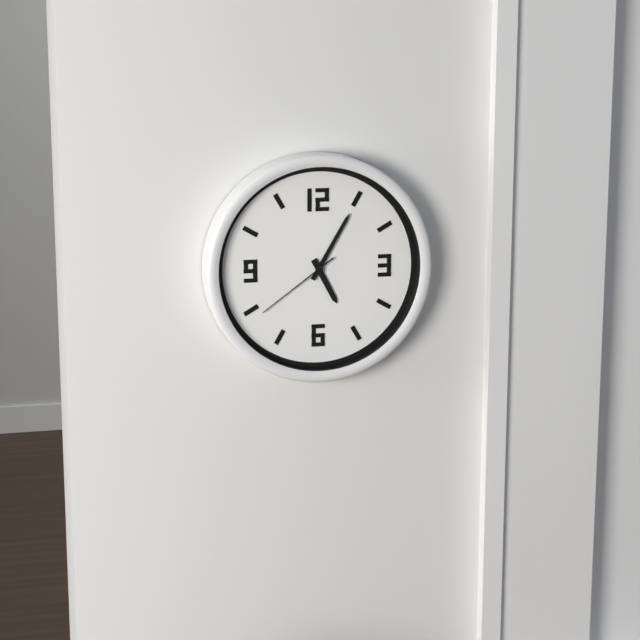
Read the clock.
5:05:39
